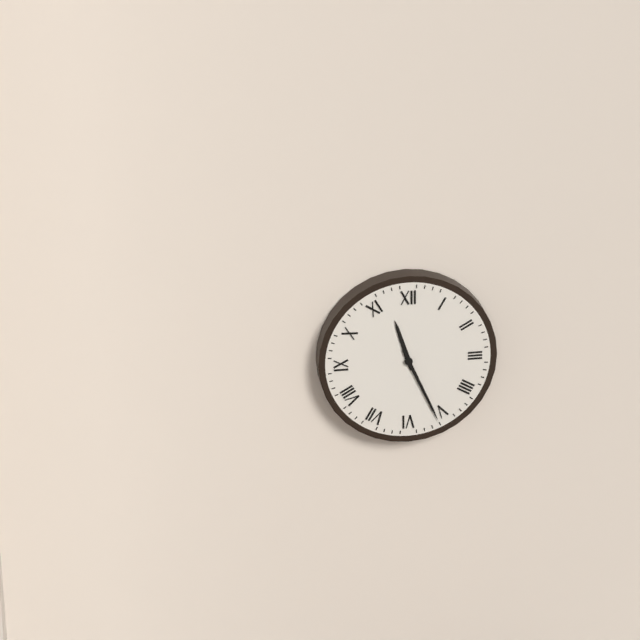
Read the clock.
11:26
